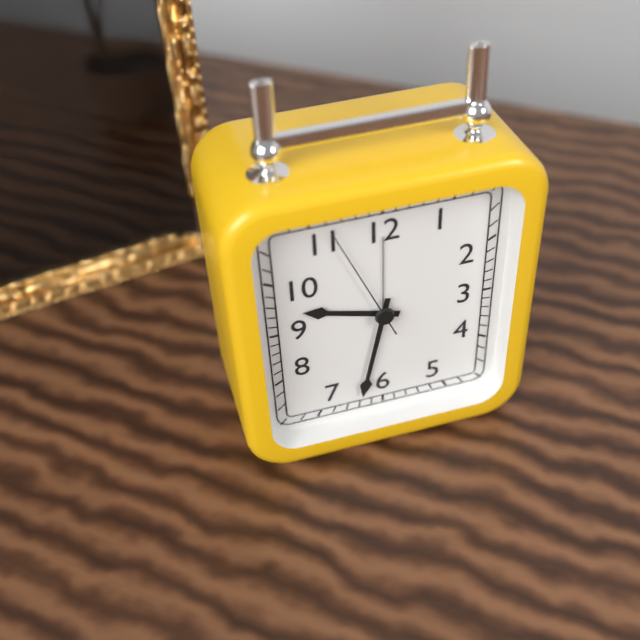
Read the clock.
9:32:56
